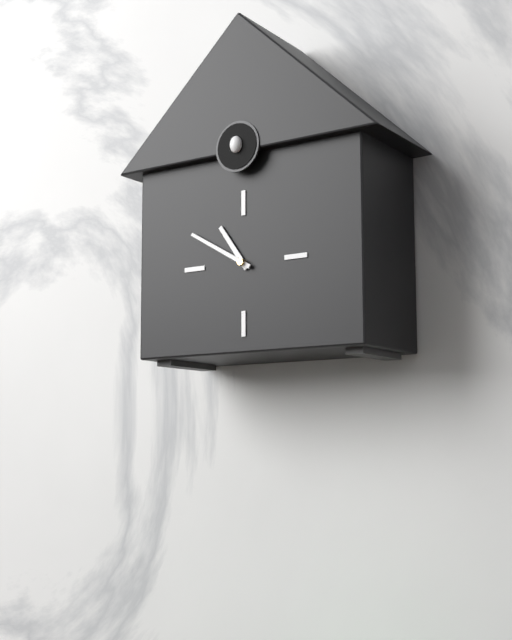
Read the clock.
10:50
